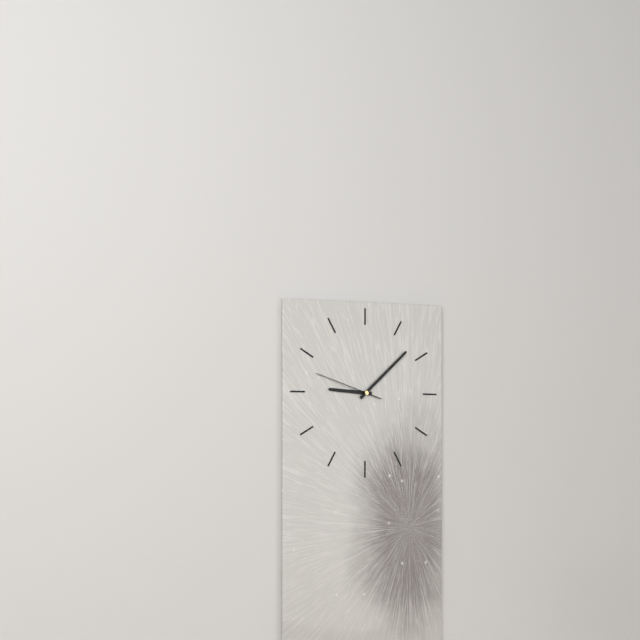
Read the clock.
9:08:48
